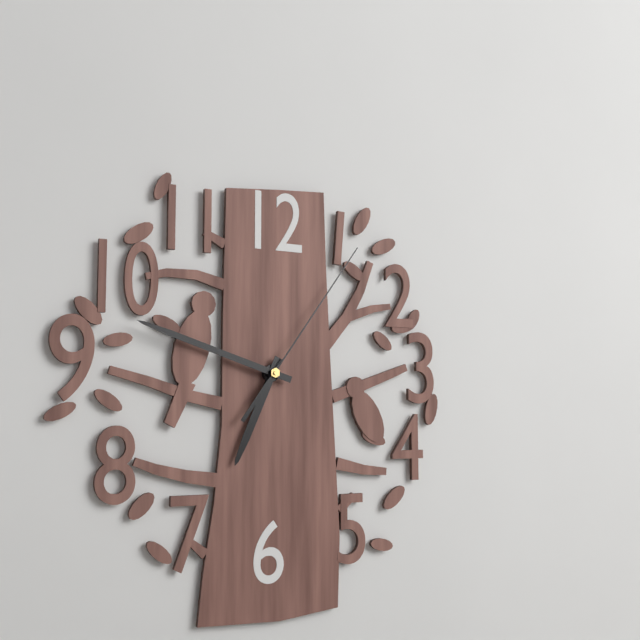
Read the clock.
6:48:06
